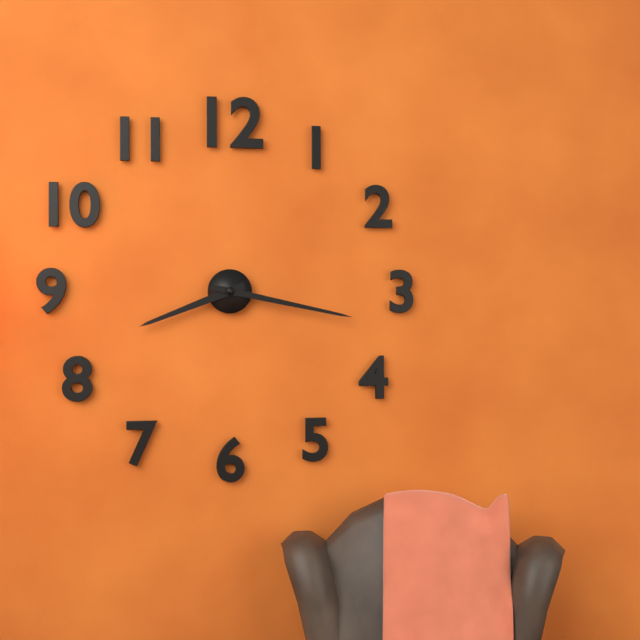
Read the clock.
8:17
